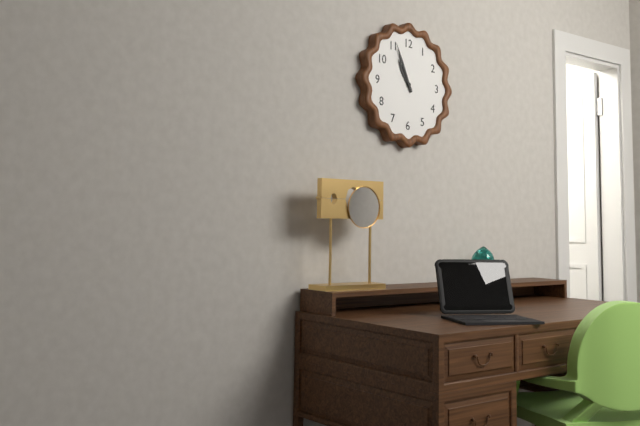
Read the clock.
10:56
